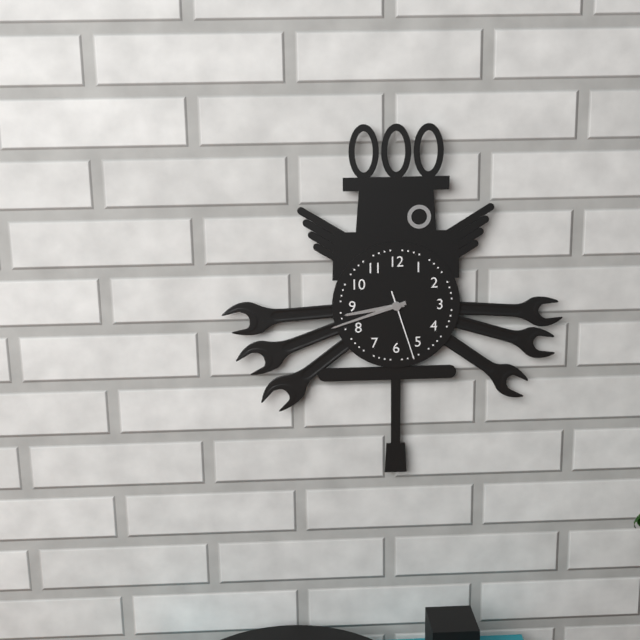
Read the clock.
8:42:27
